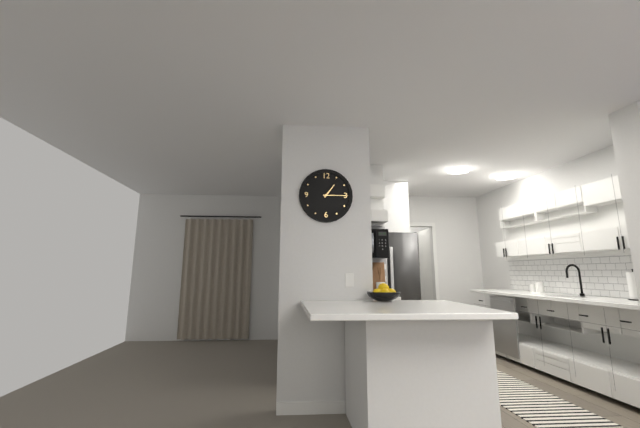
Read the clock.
1:15
